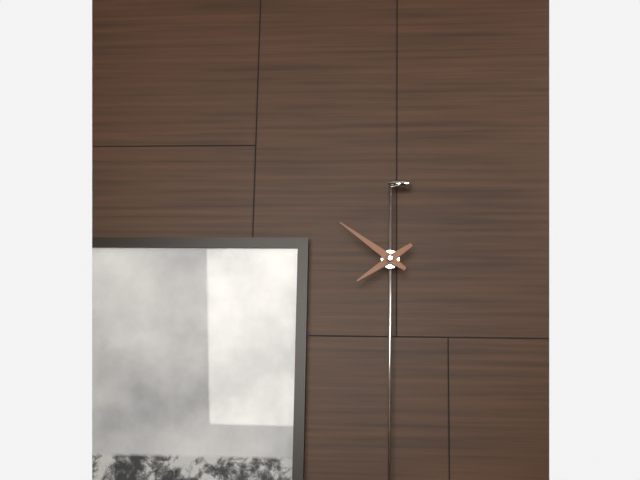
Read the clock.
7:51
